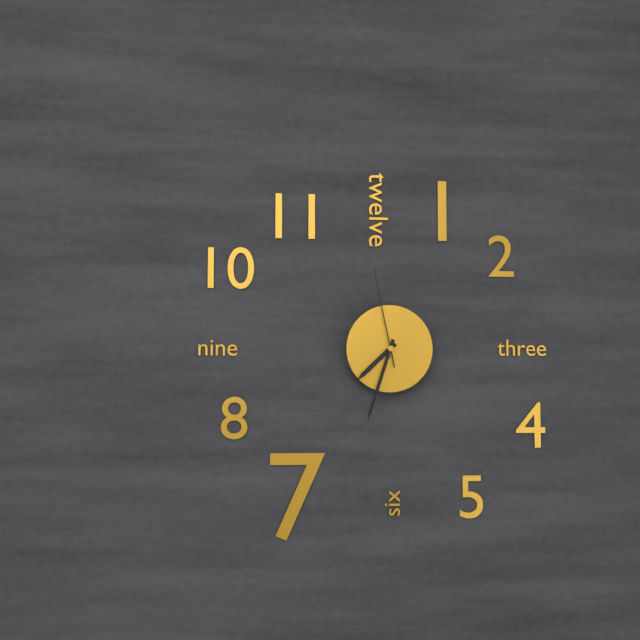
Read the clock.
7:33:58
